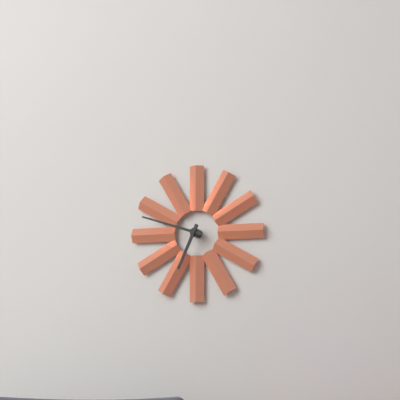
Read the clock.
6:48
